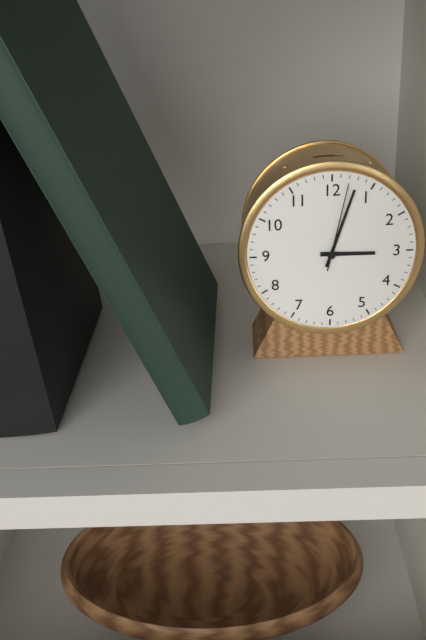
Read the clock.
3:03:02
